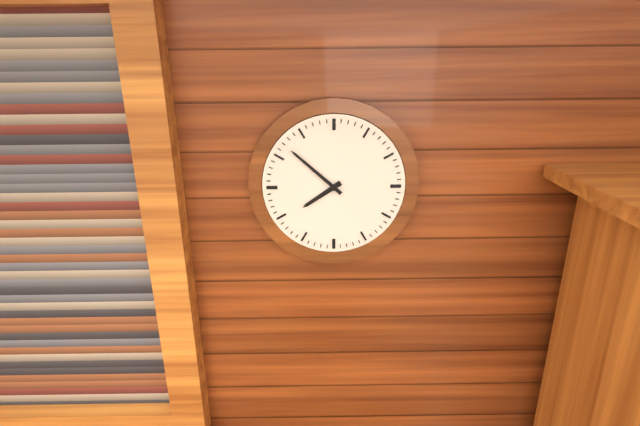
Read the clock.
7:52
